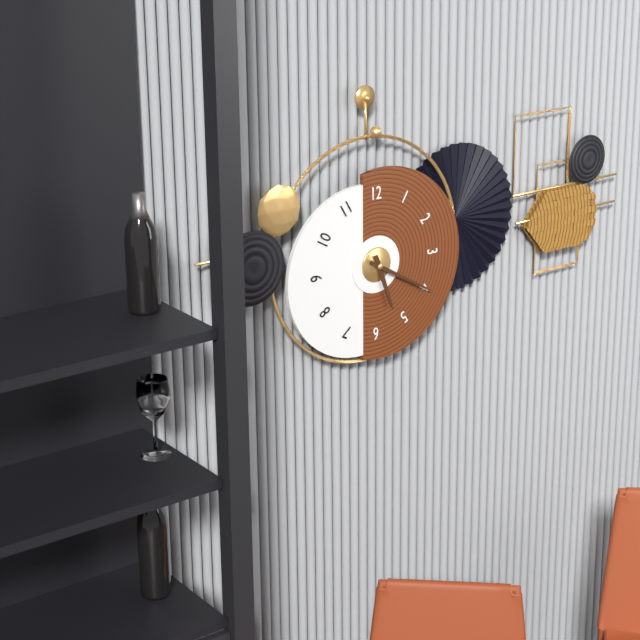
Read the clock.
5:20
